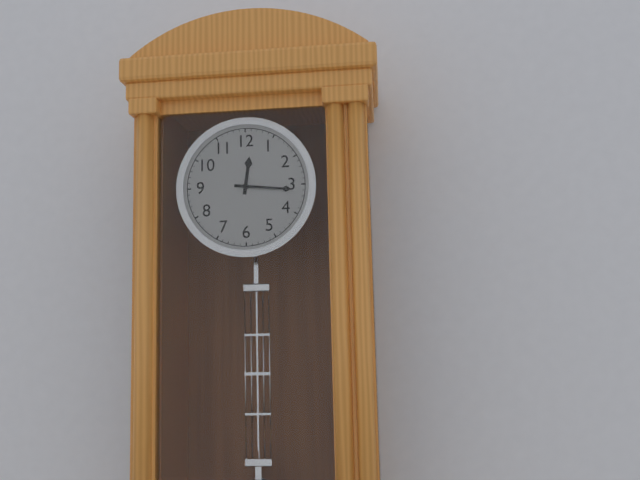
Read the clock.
12:16
